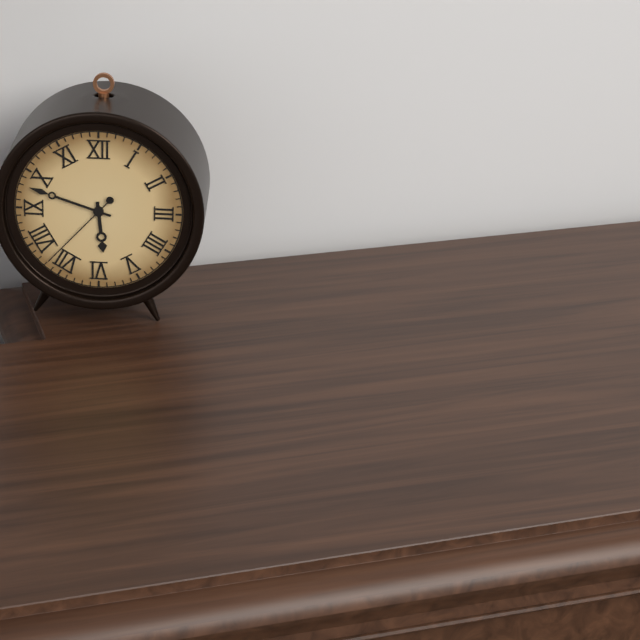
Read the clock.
5:48:37
